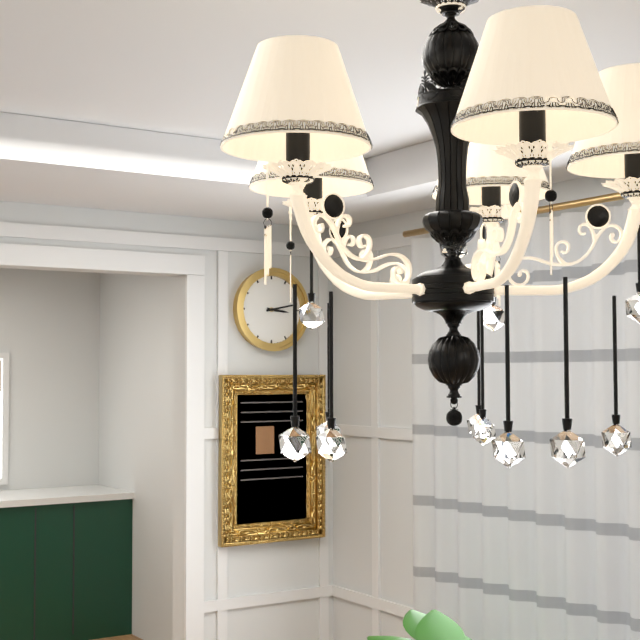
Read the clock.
3:13
